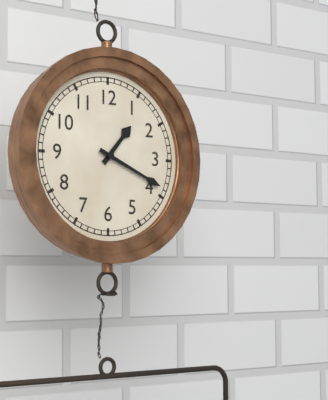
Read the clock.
1:19
